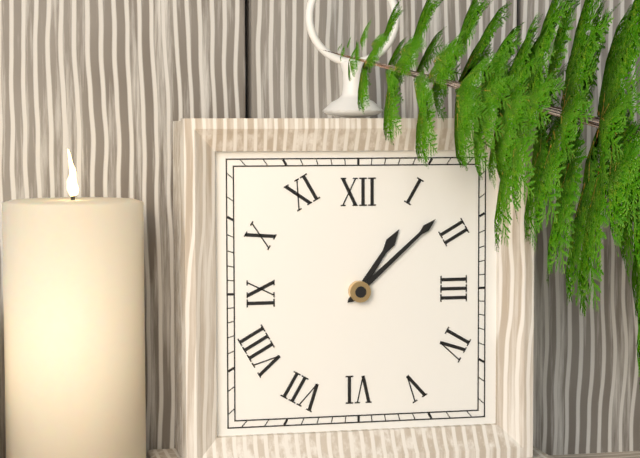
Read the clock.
1:08
